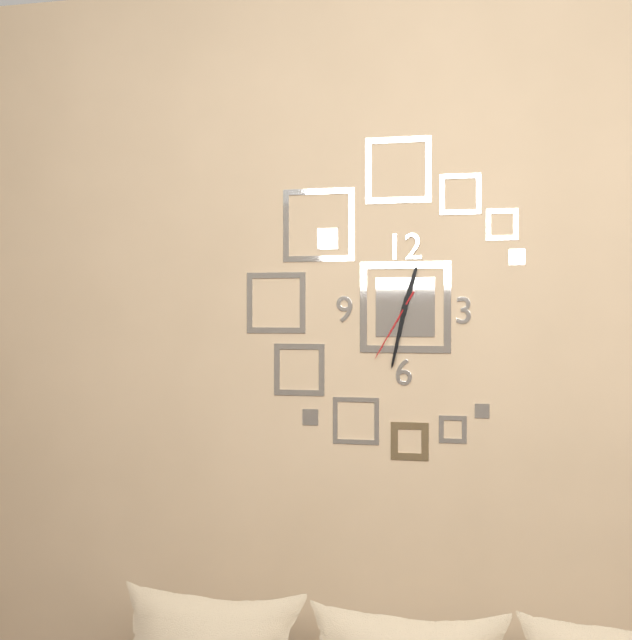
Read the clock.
12:32:35
